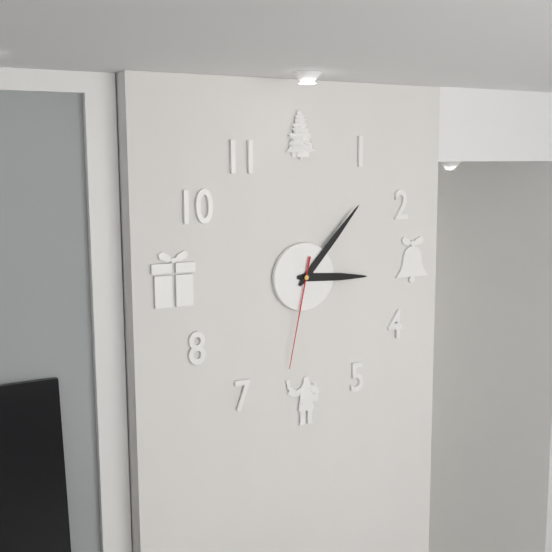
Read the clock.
3:07:32
